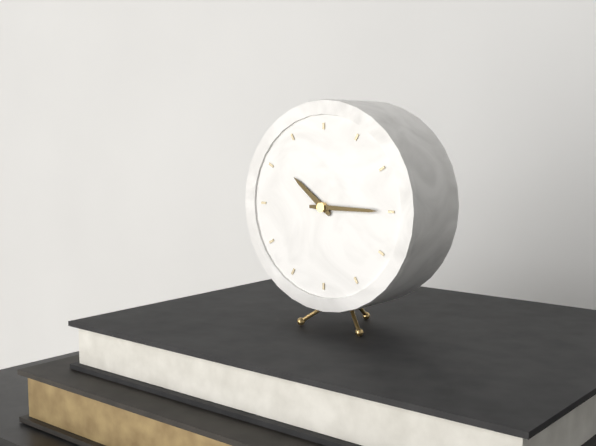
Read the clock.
10:15
